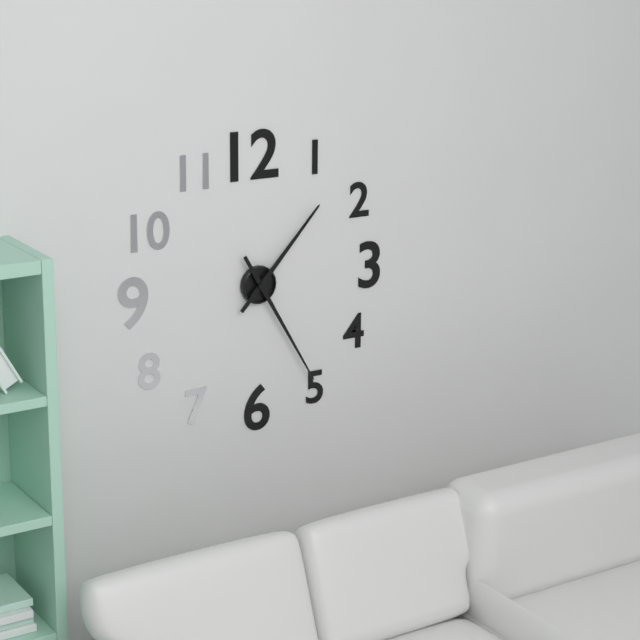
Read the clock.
1:25
